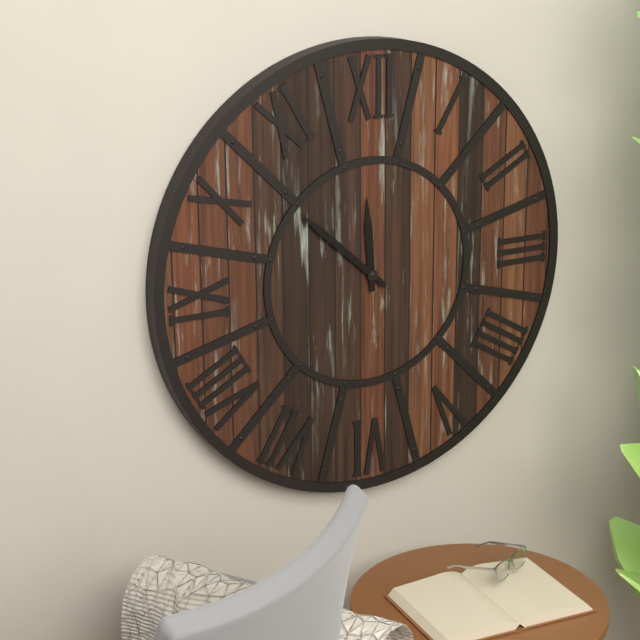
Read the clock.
11:52
